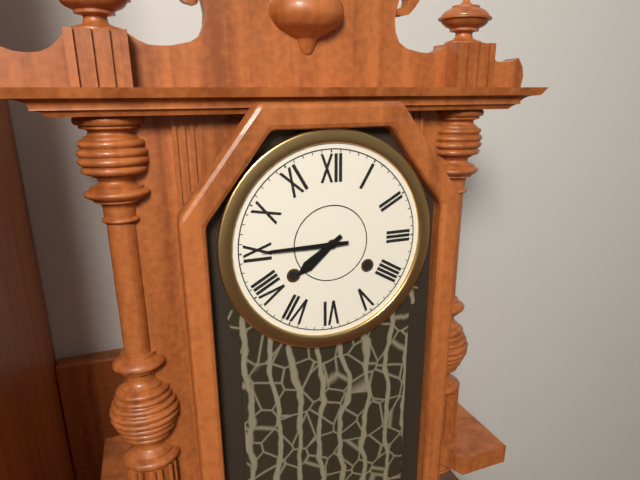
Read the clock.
7:45
